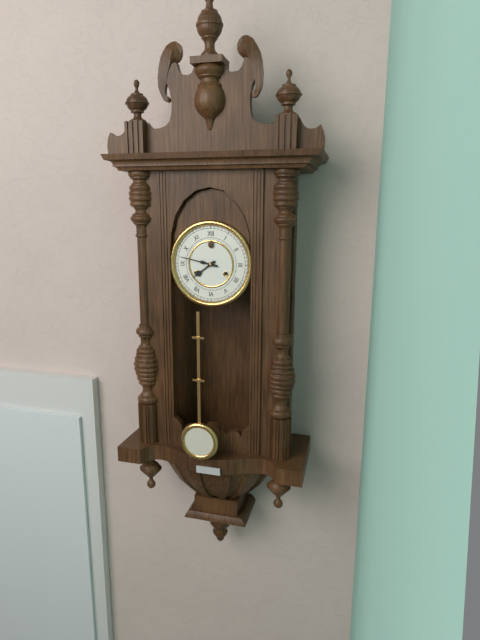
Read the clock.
7:47
